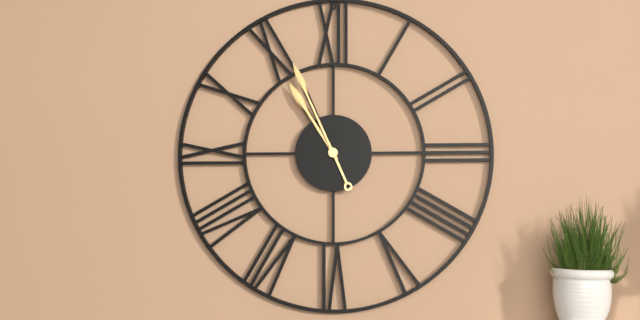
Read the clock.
10:56
